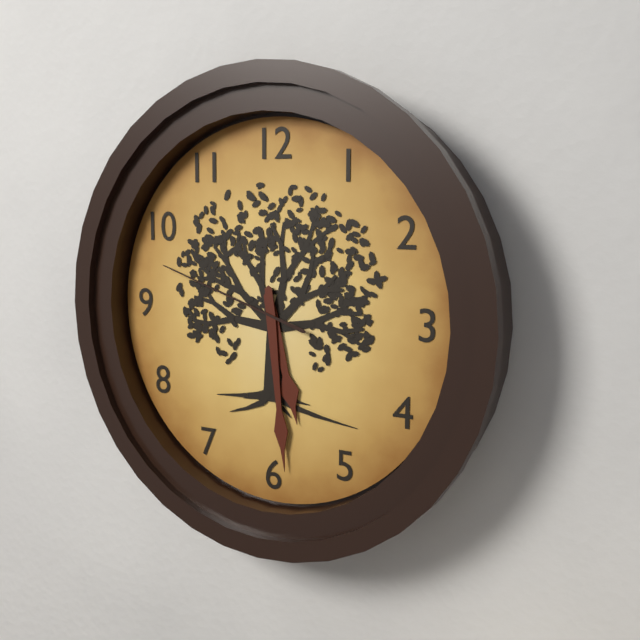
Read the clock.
5:29:48
